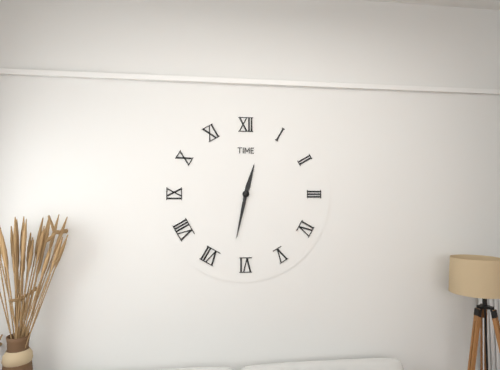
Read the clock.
12:32
